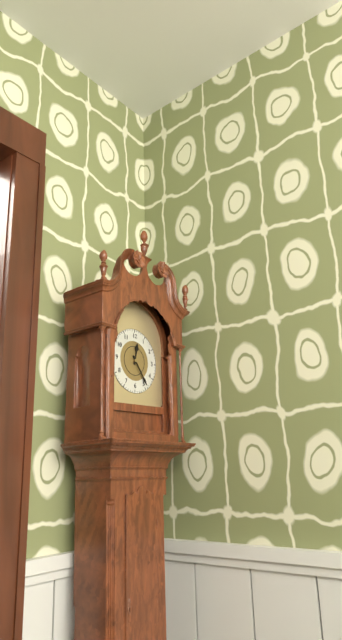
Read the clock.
12:24
